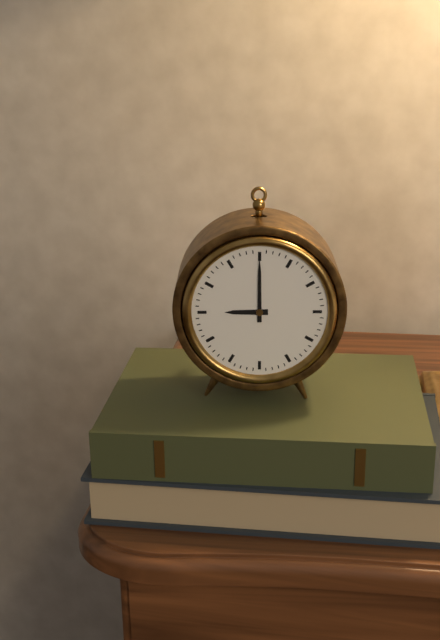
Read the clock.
9:00
